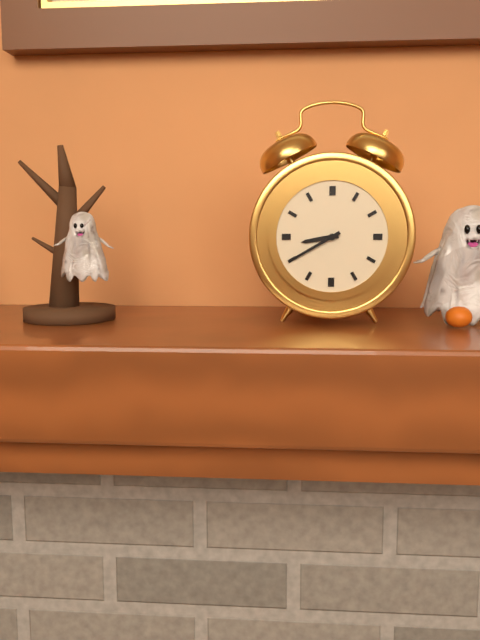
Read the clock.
8:40
